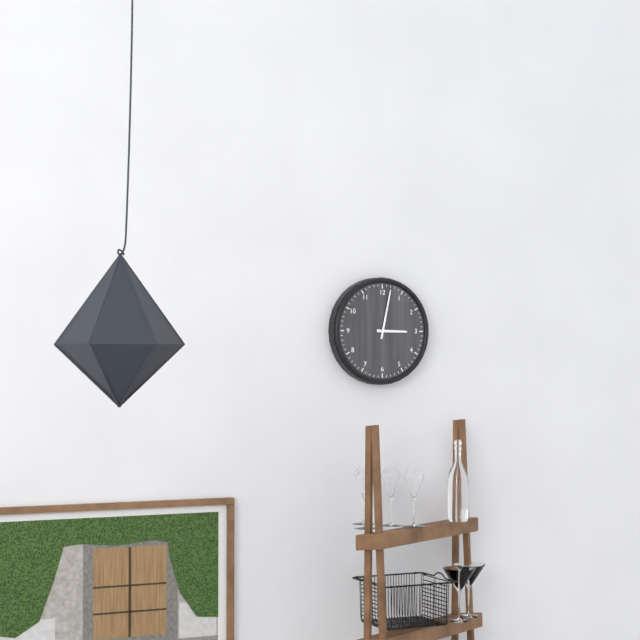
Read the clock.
3:02
